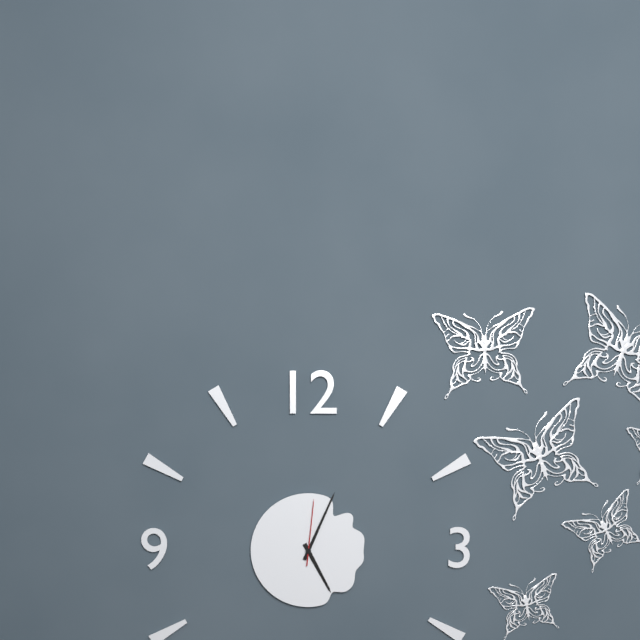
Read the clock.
5:04:01
